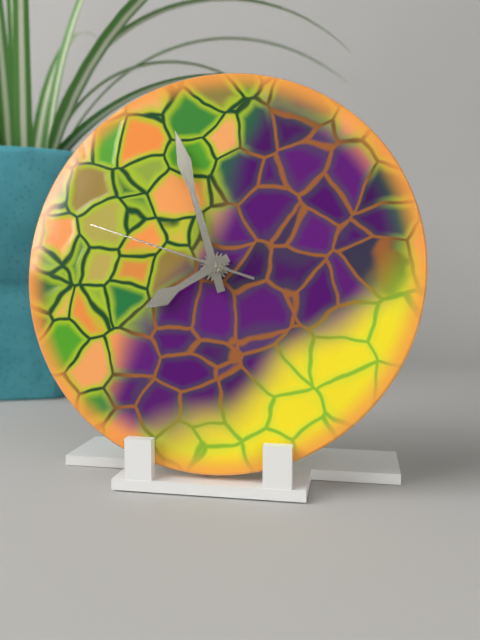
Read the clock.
7:57:48
